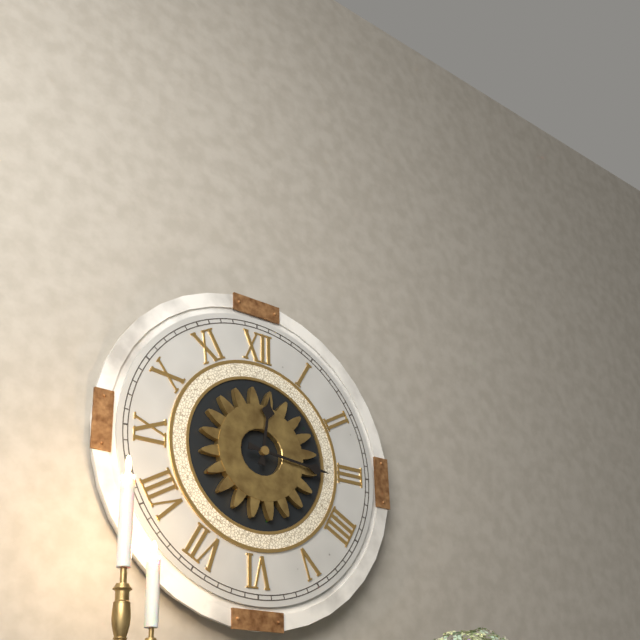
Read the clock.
12:16
